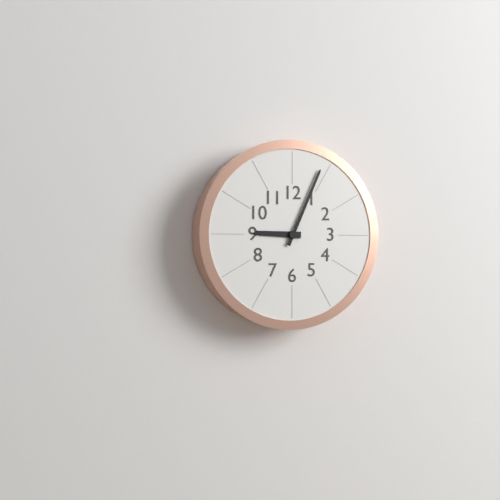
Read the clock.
9:04
